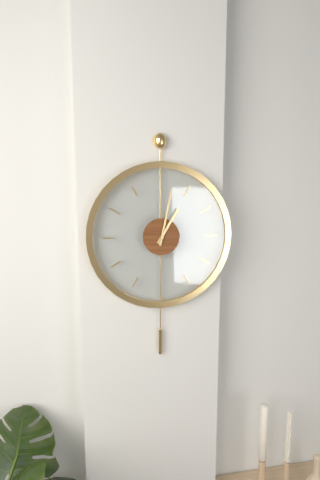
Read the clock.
1:02
